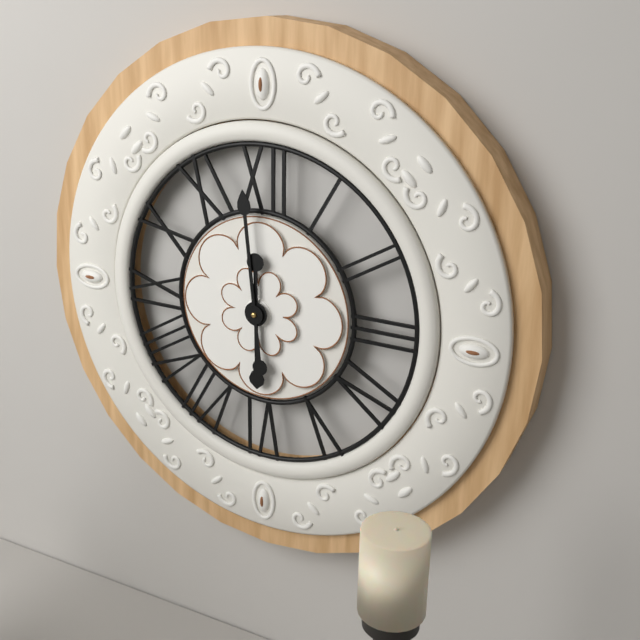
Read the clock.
5:59
